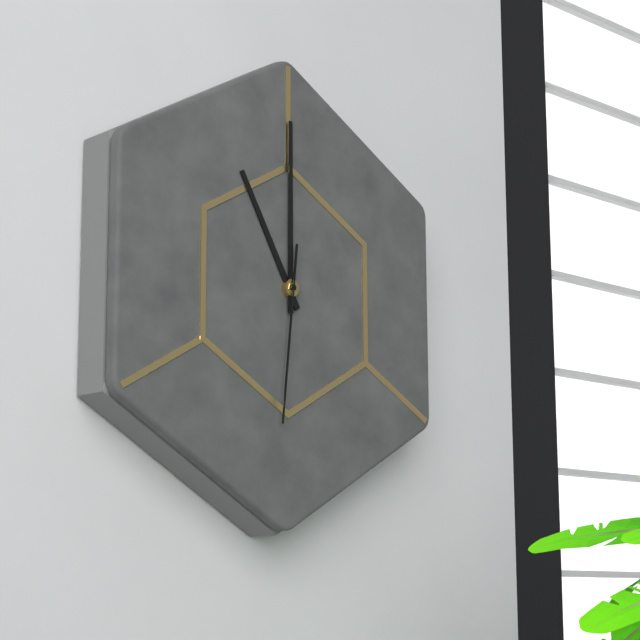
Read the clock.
11:00:31
